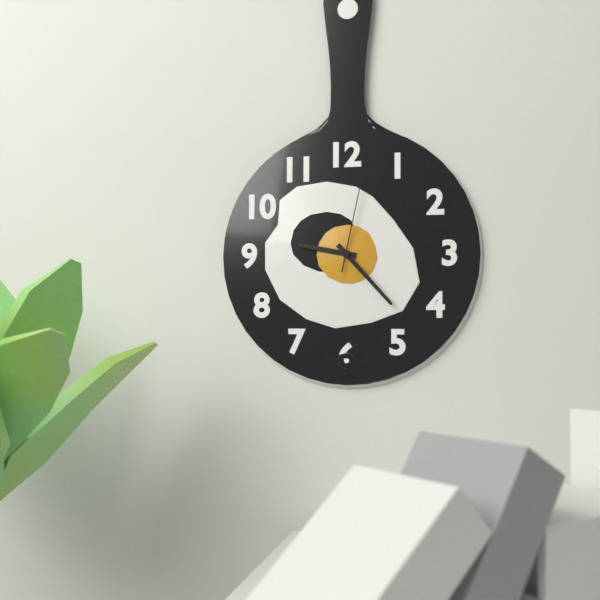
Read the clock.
9:23:02
